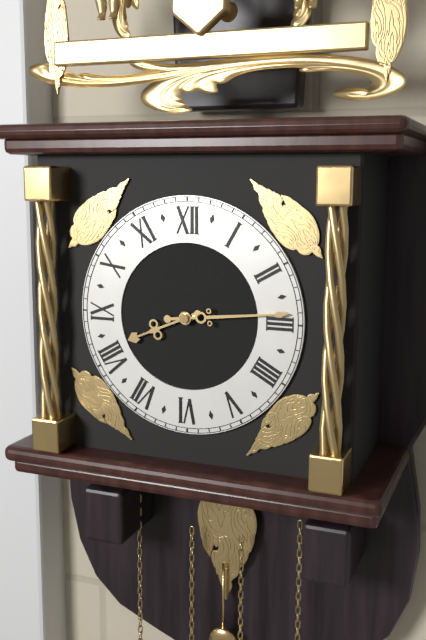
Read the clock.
8:14
